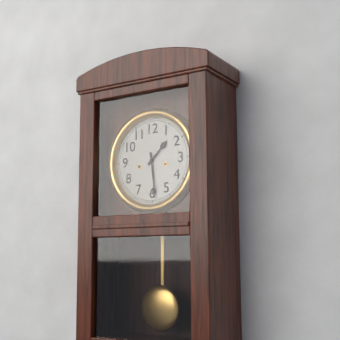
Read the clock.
1:29
